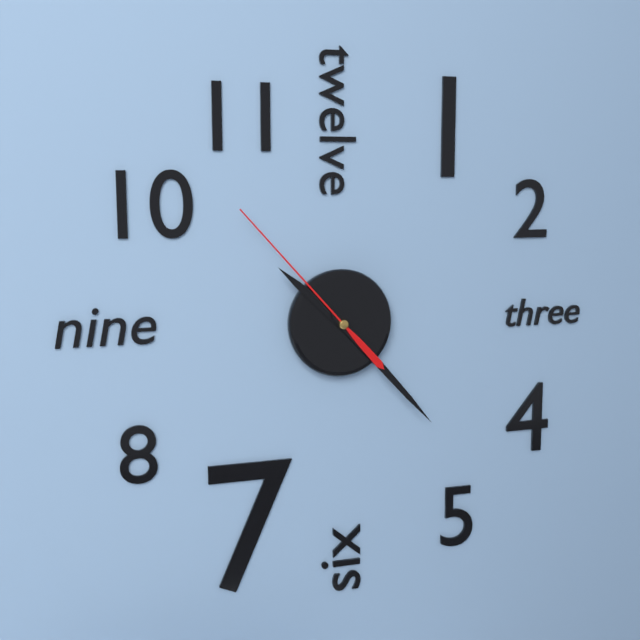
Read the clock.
10:23:53
